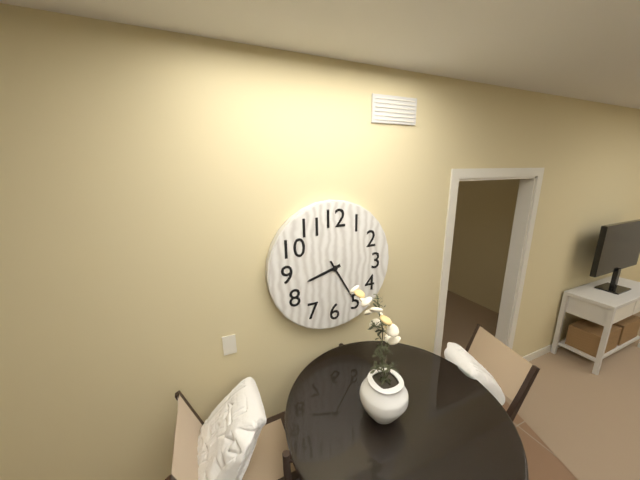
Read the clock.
8:25
